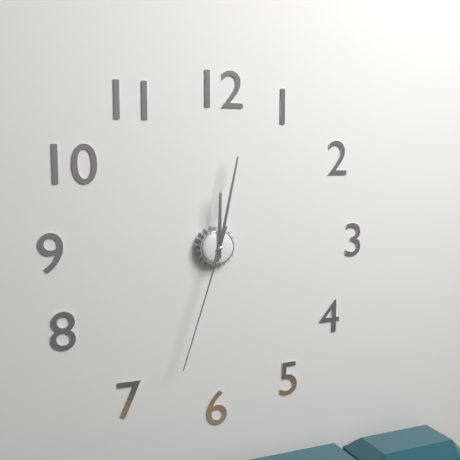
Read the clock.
12:02:33
